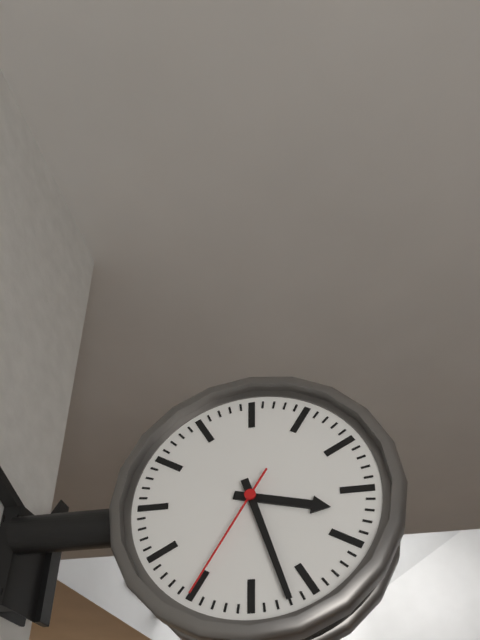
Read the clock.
3:27:35
